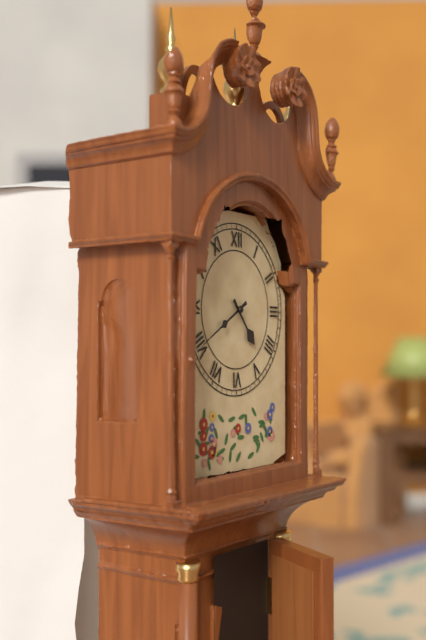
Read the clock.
4:40
